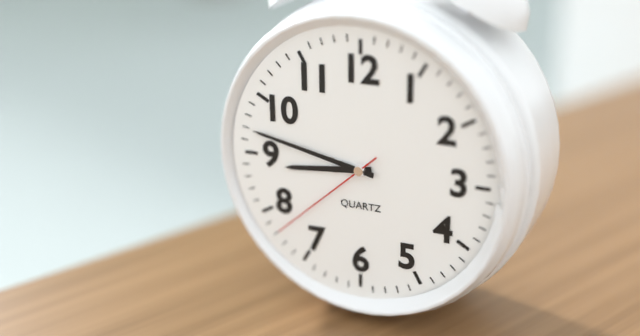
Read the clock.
8:47:38
